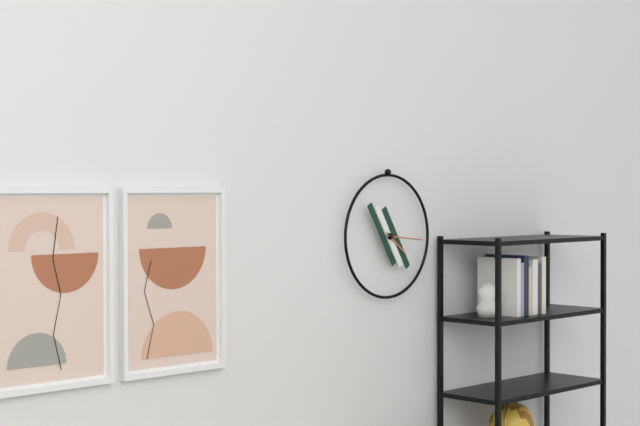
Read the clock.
4:16
